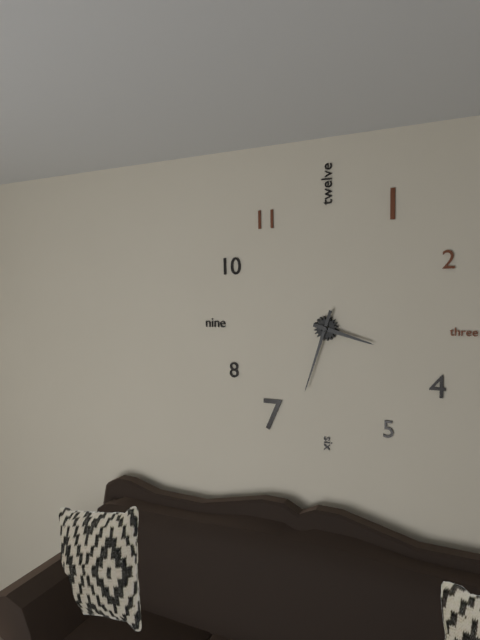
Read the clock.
3:33
